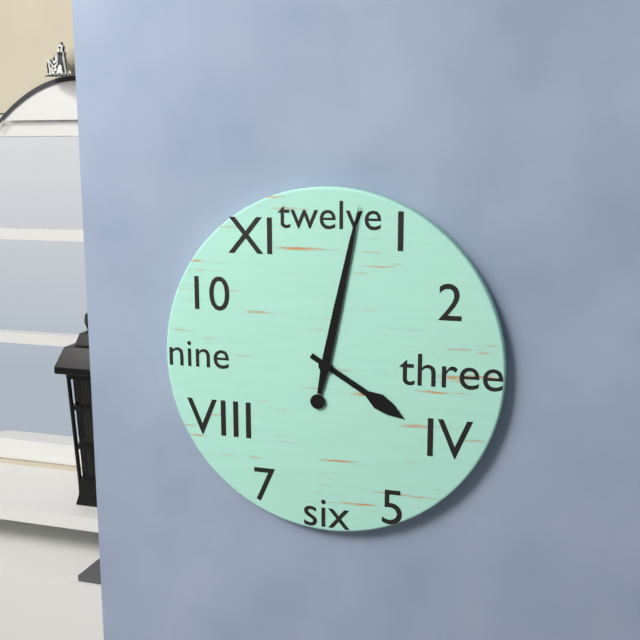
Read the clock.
4:02
